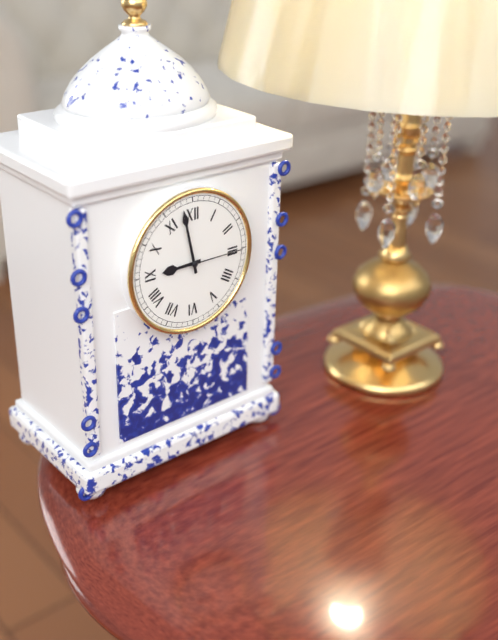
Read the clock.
8:58:15
